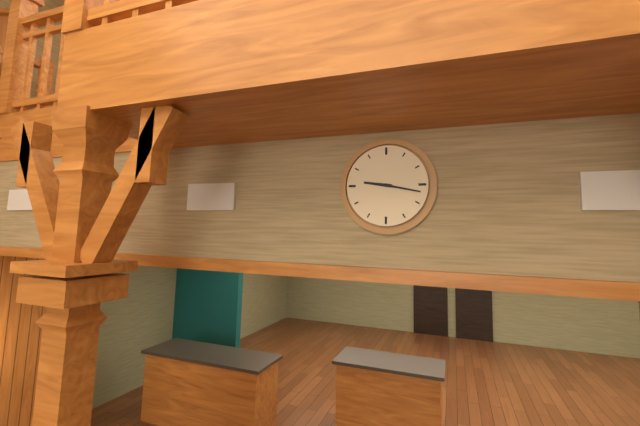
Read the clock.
9:17
